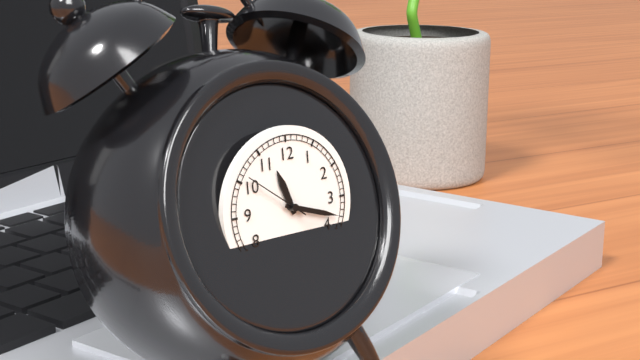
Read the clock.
11:18:51
